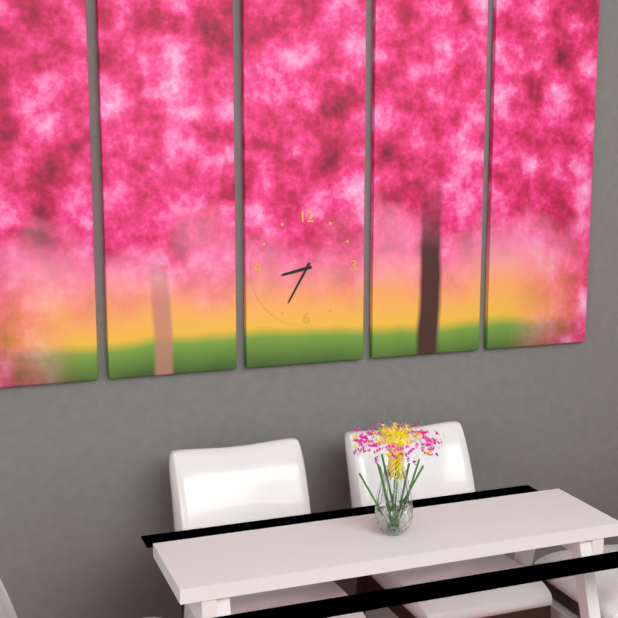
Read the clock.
8:35
